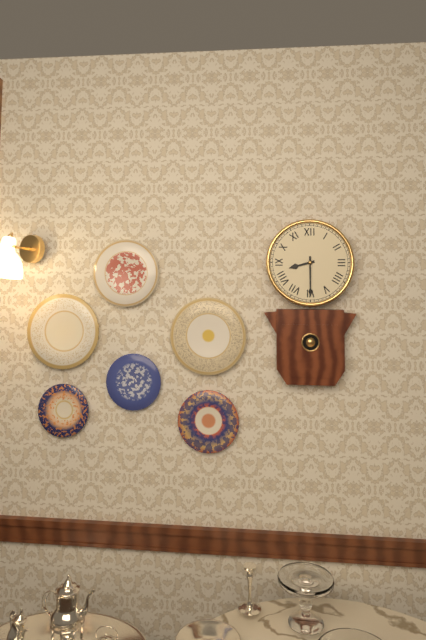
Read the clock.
8:30
